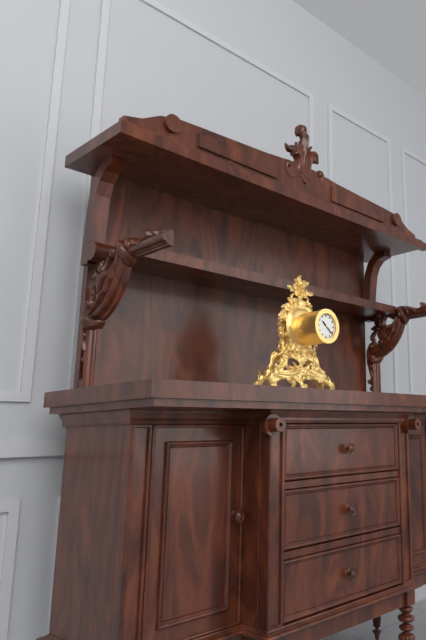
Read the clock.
10:22
